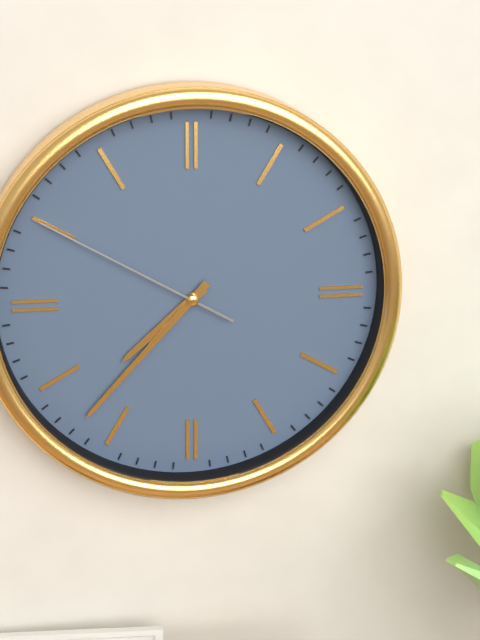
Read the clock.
7:37:50
